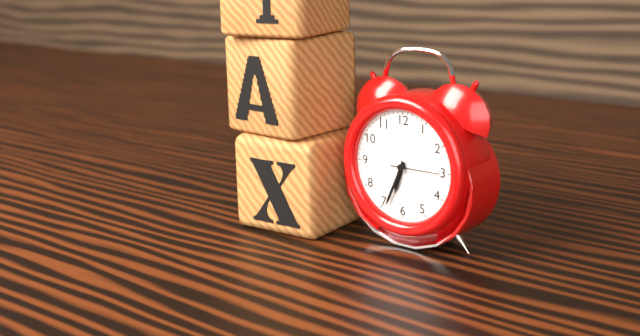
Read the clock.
6:34
